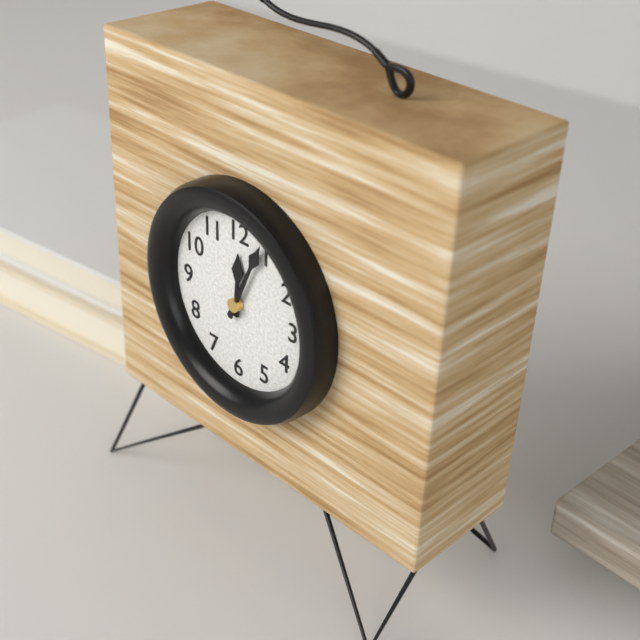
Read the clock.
12:04
